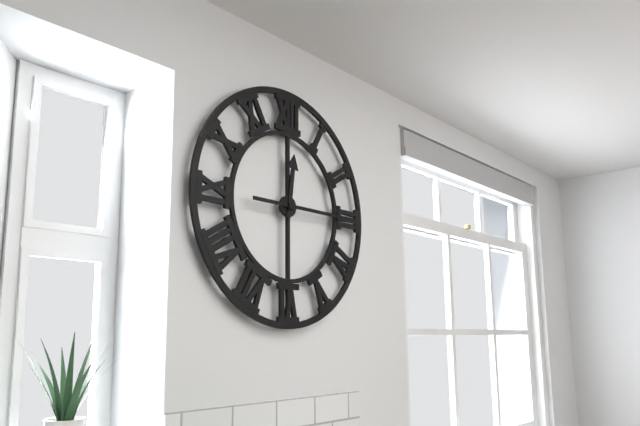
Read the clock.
12:15
